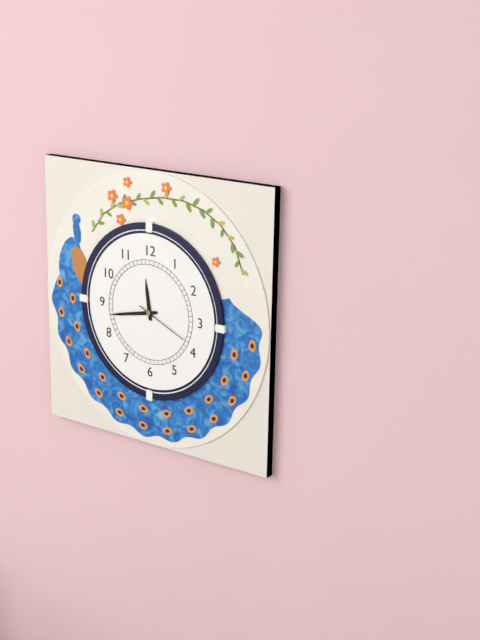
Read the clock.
11:43:19
